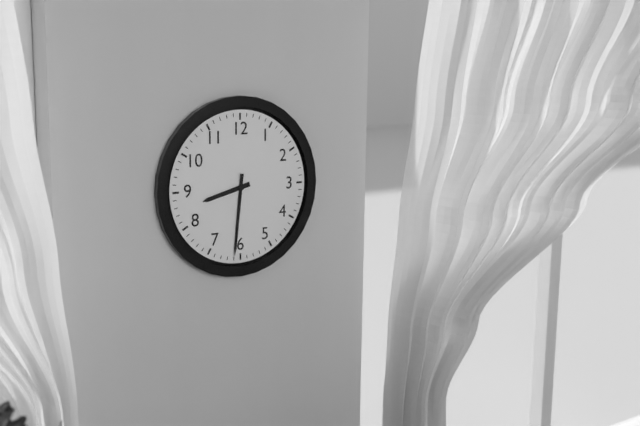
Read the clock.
8:31
